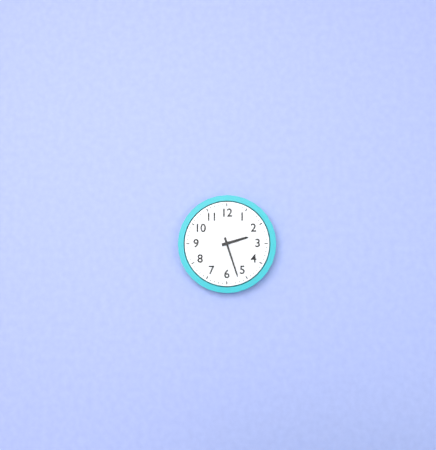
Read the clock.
2:27
